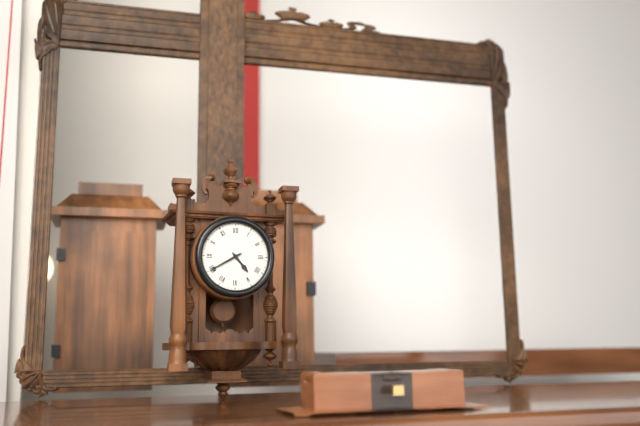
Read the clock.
4:40
